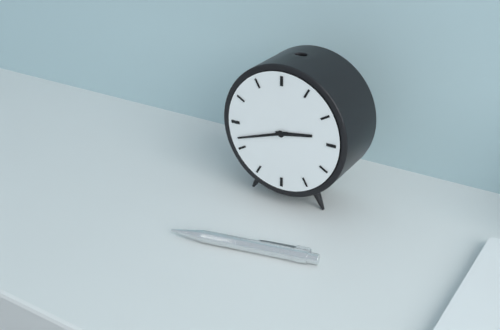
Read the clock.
2:42
